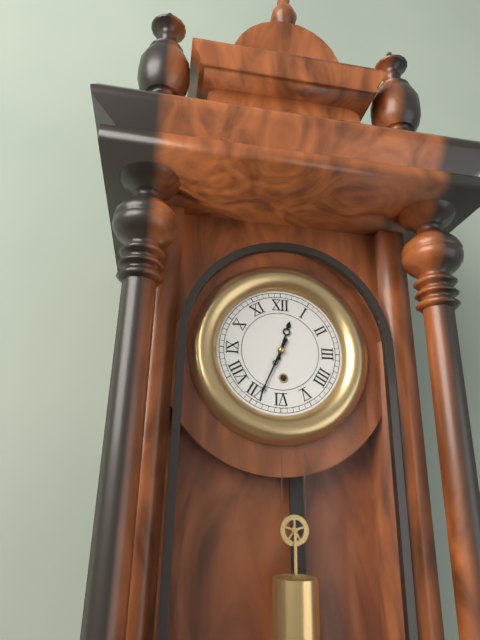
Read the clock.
12:34
